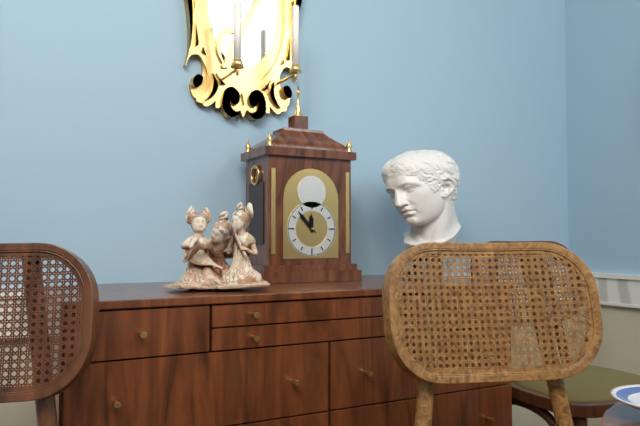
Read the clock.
11:53
